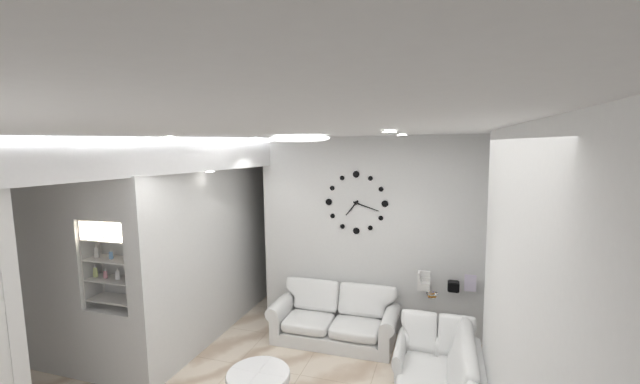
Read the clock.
7:18
